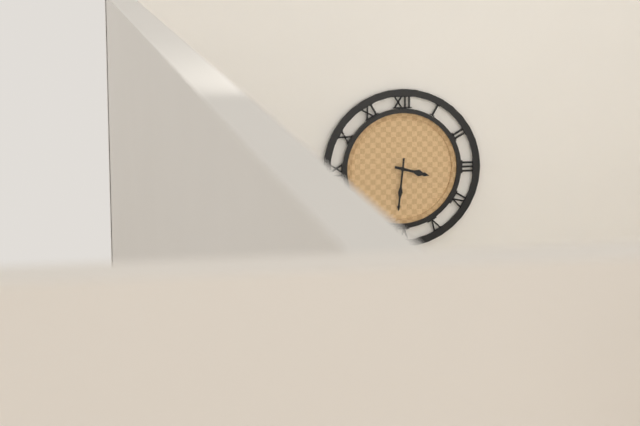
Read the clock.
3:31
